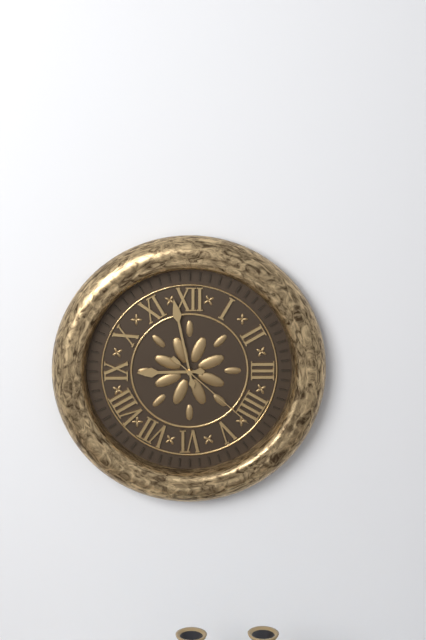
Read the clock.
8:58:22
